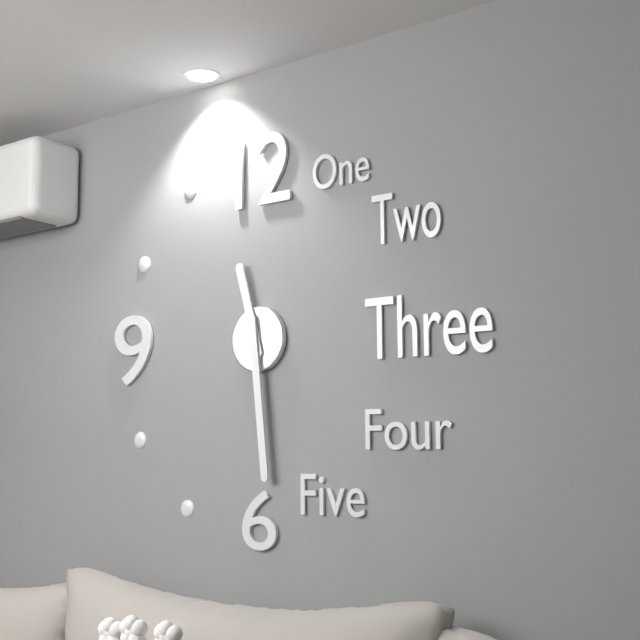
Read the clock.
11:29
